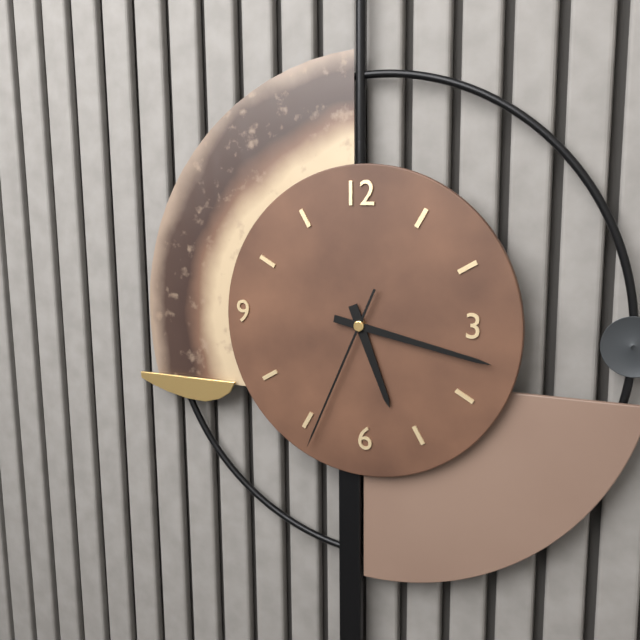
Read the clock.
5:17:34
